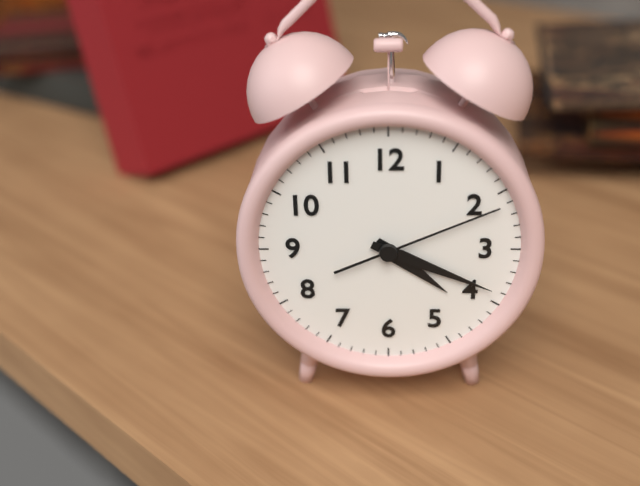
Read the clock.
4:19:11
